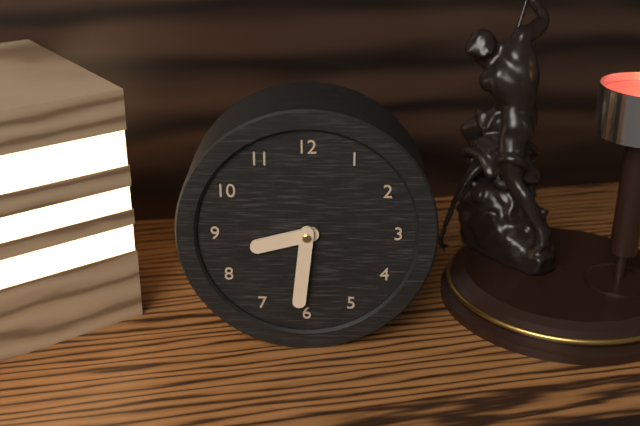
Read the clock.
8:31
